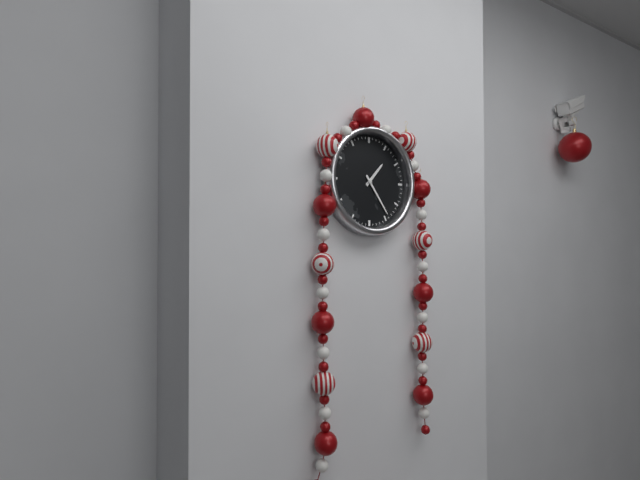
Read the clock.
1:24
